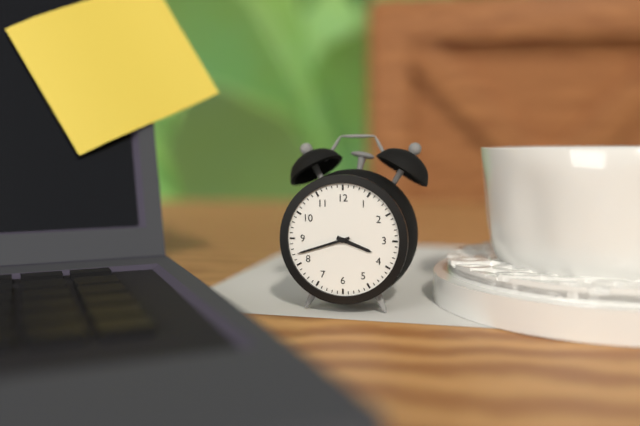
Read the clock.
3:42
